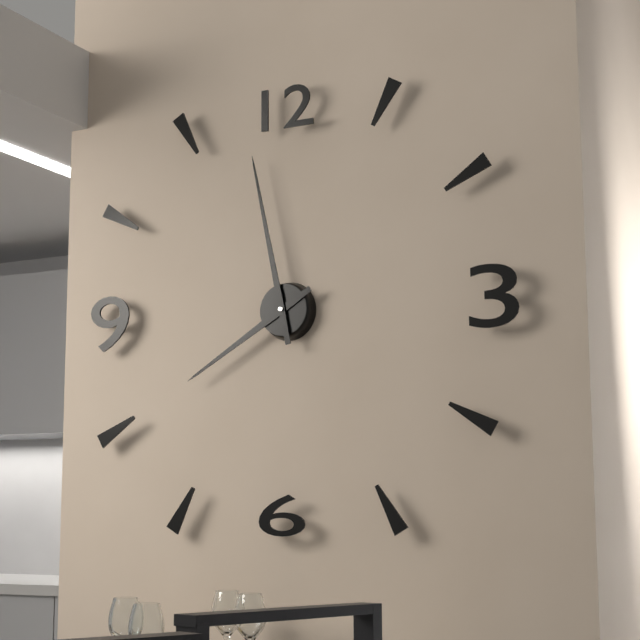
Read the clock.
7:58
